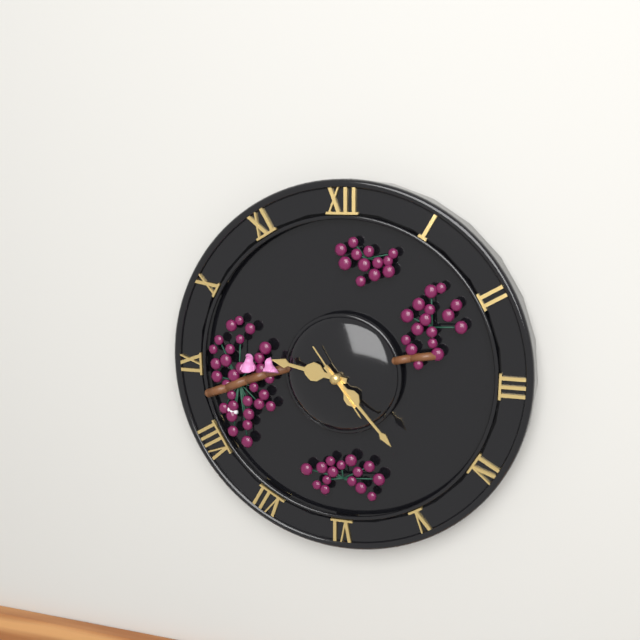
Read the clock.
9:23:24
